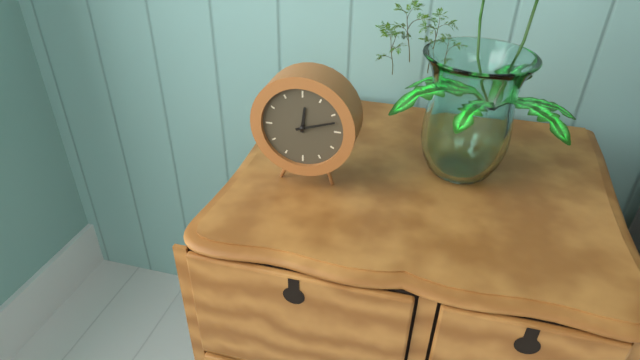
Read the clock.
12:12
